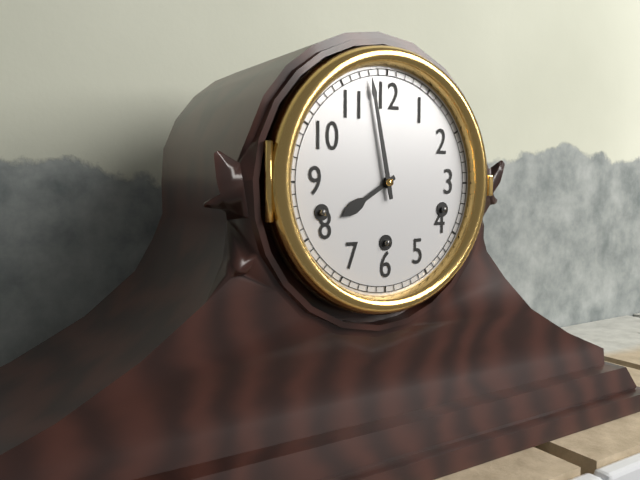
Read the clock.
7:58
